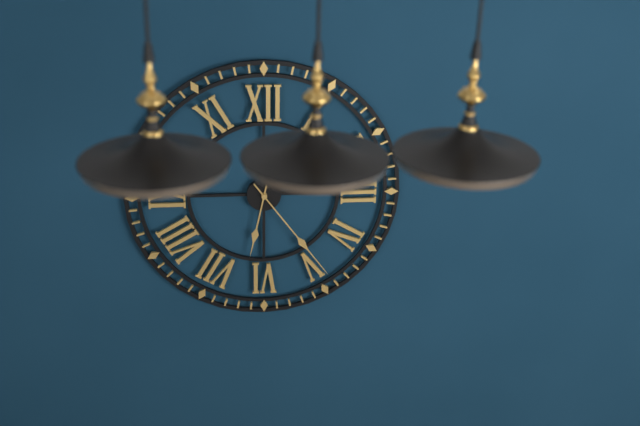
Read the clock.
6:24
